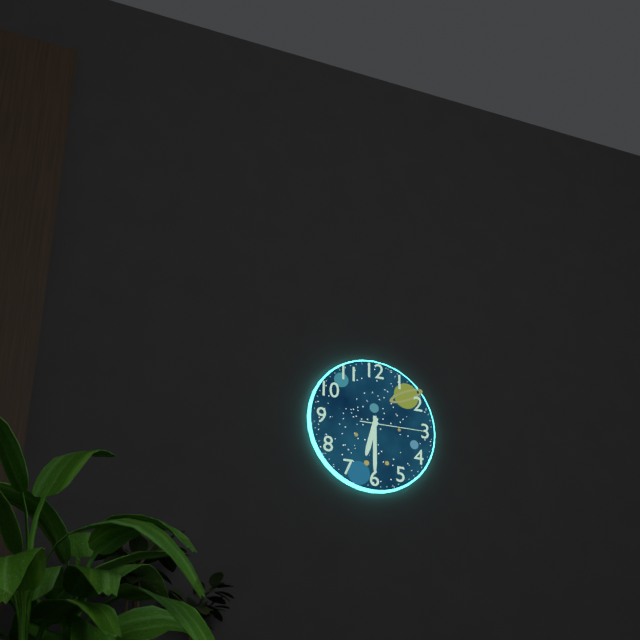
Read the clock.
6:30:15
